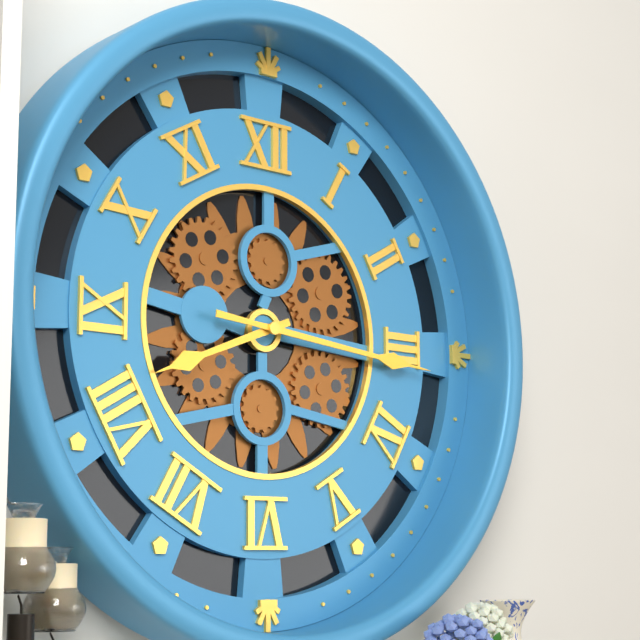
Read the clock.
8:16
